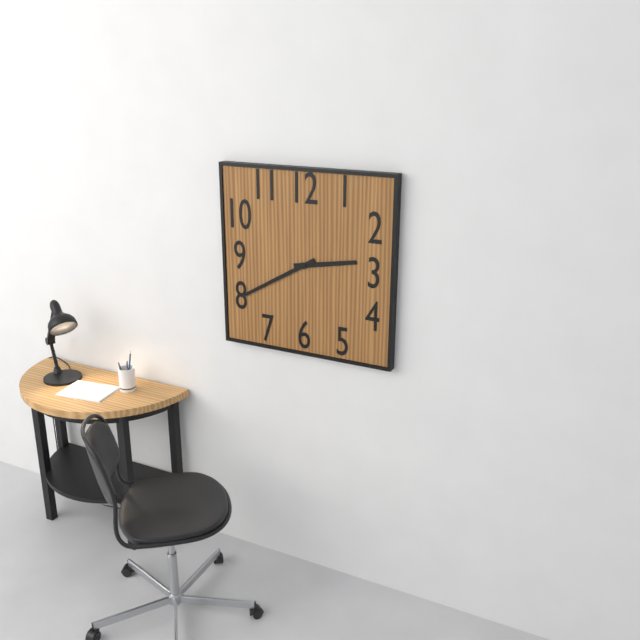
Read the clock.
2:40
